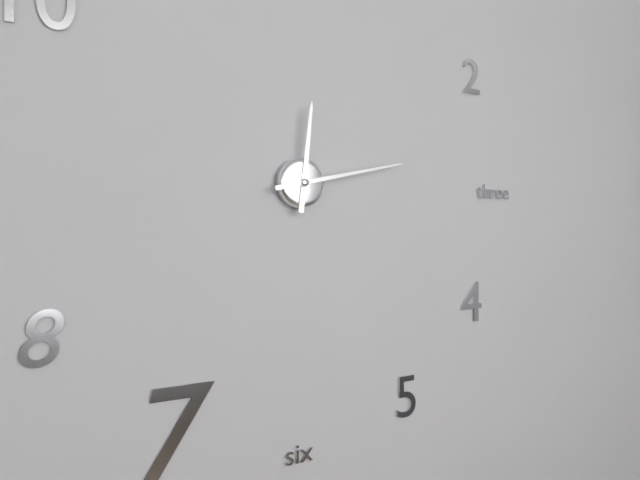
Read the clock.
12:13
